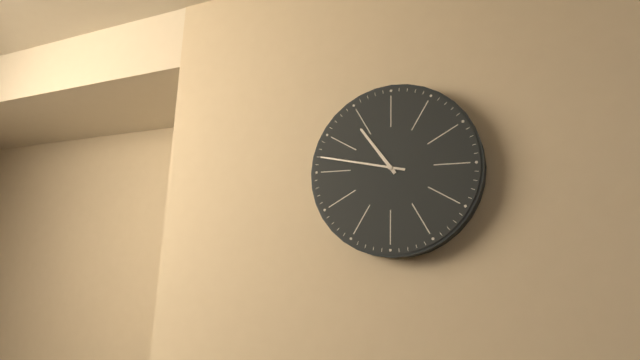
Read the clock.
10:47
